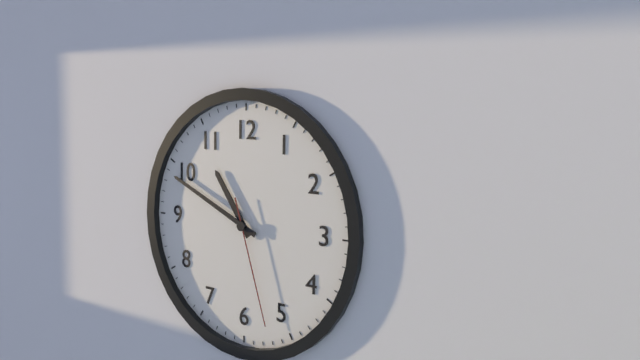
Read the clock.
10:49:27
